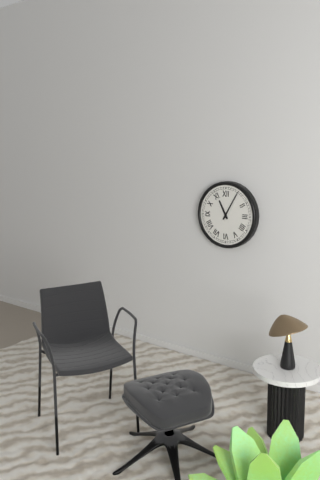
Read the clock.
11:05
